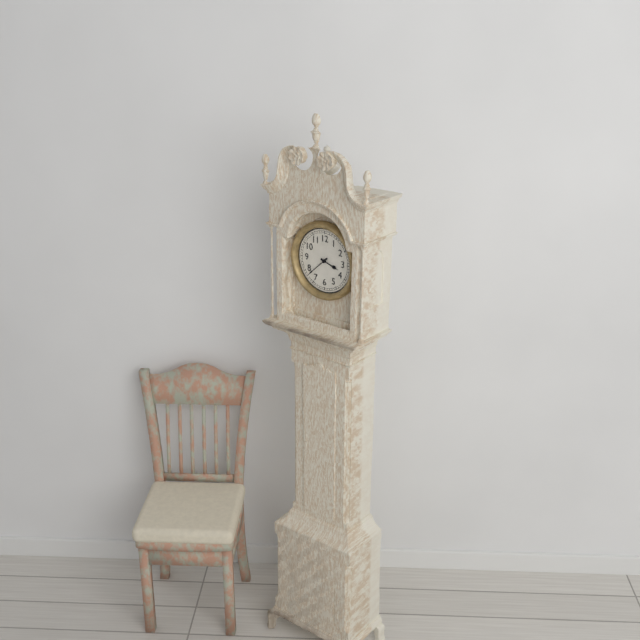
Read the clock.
3:38
